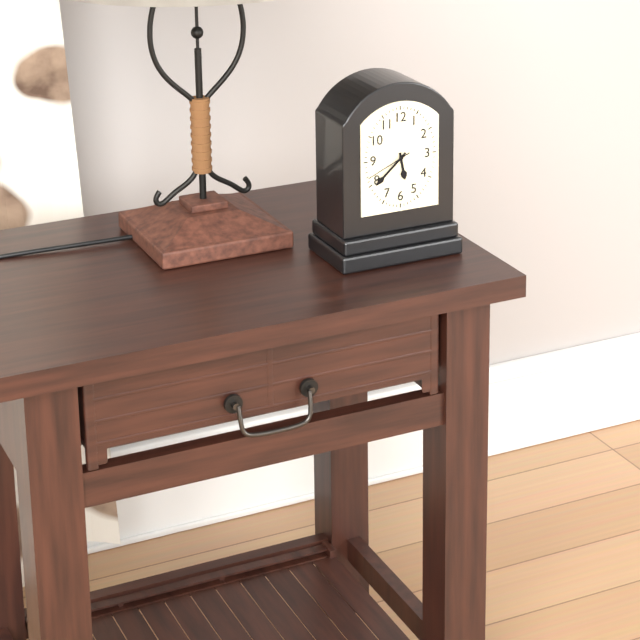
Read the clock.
5:38
